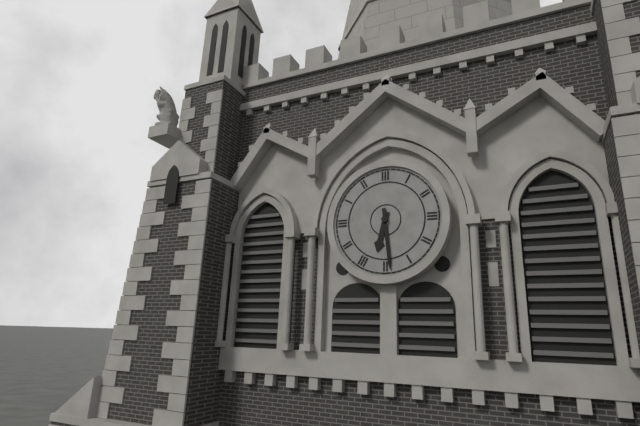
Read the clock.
6:29
